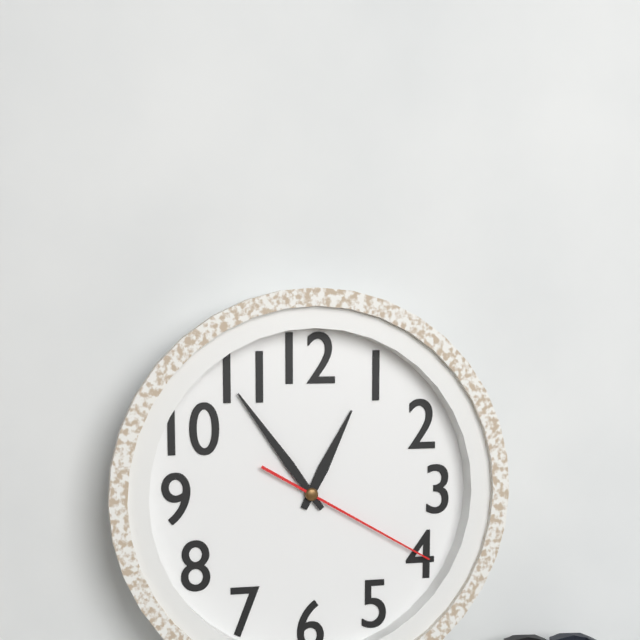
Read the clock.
12:54:20
